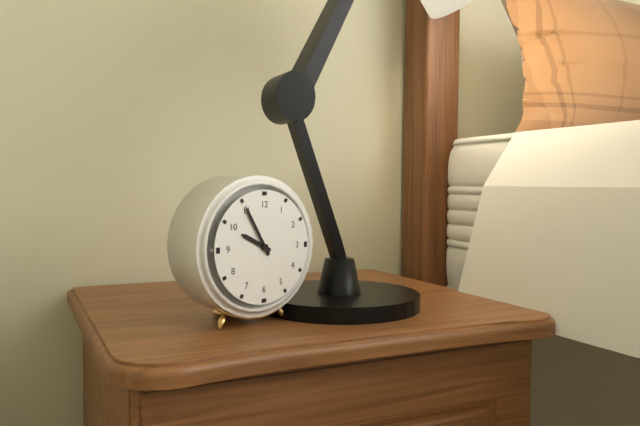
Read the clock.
9:55
